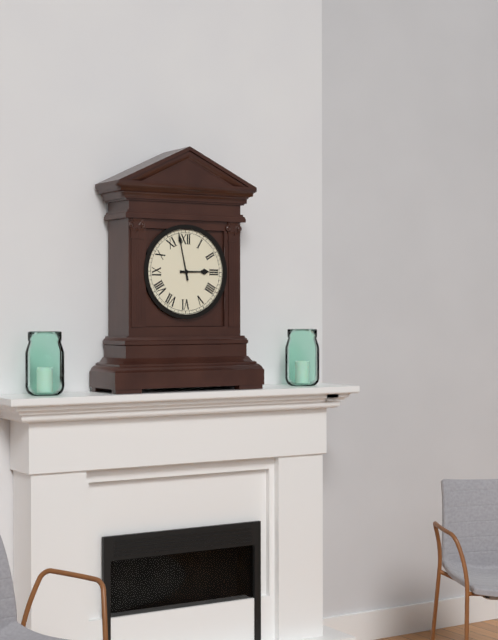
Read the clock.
2:58
